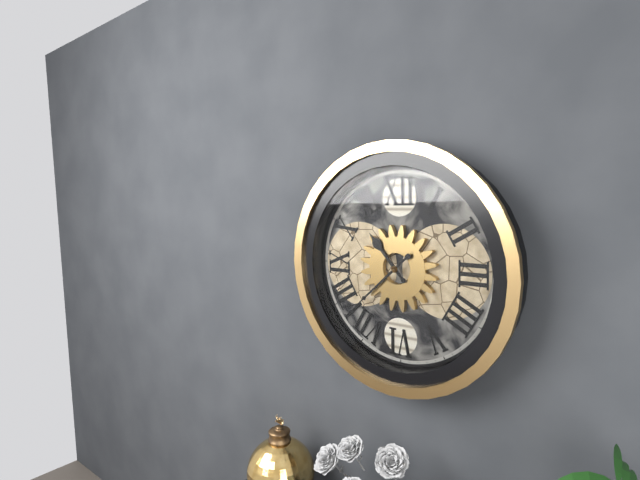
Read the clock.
10:38
